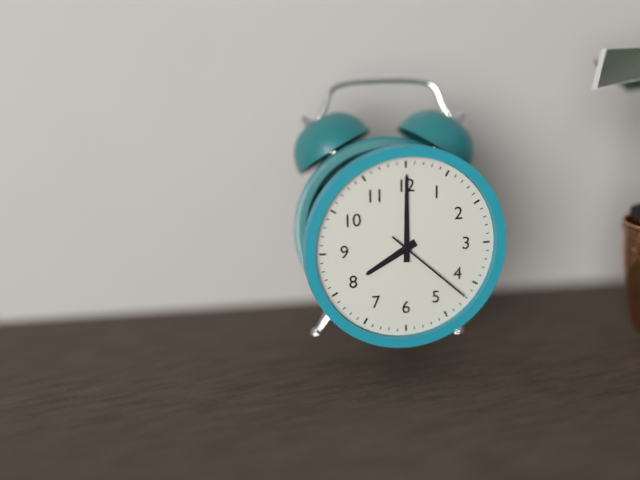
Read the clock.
8:00:22
